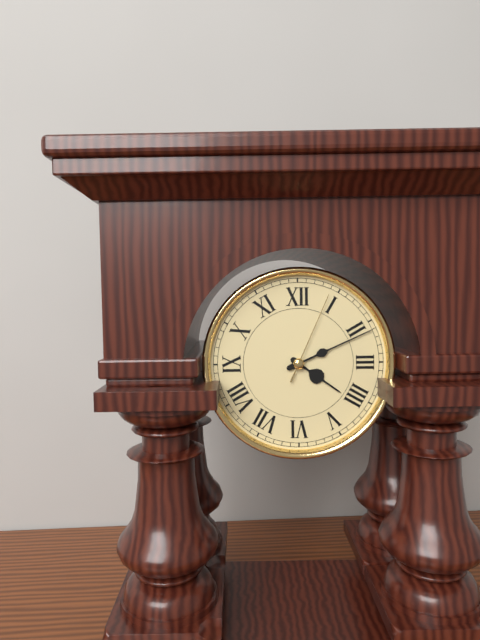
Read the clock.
4:11:04
